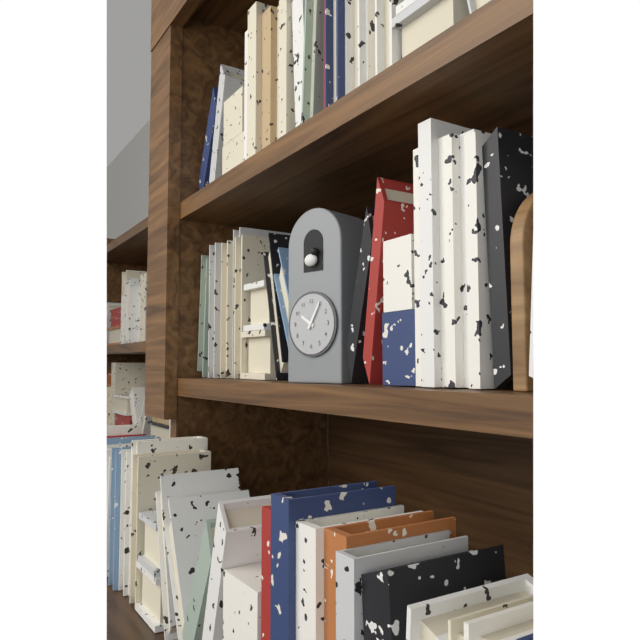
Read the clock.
10:05
